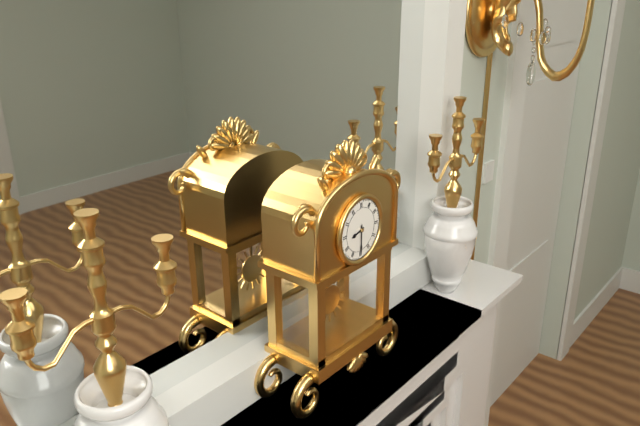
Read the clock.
8:30
